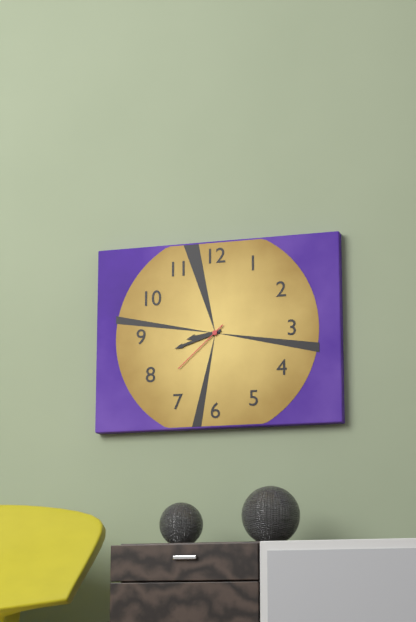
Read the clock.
8:42:38
